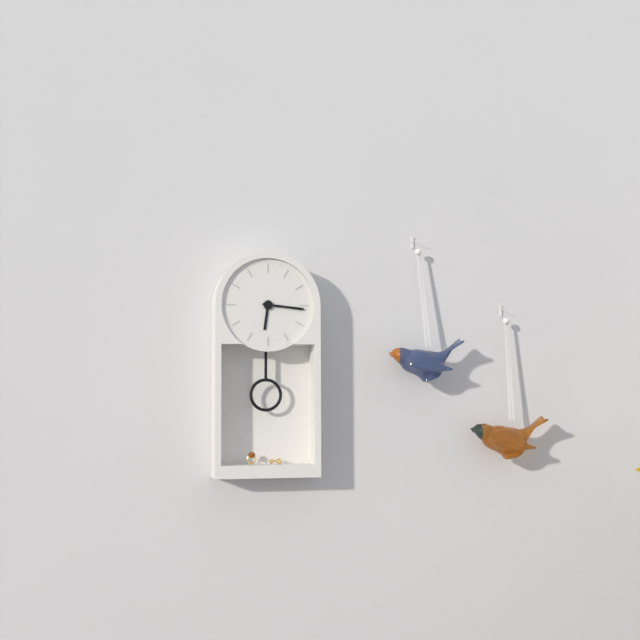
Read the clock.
6:16
